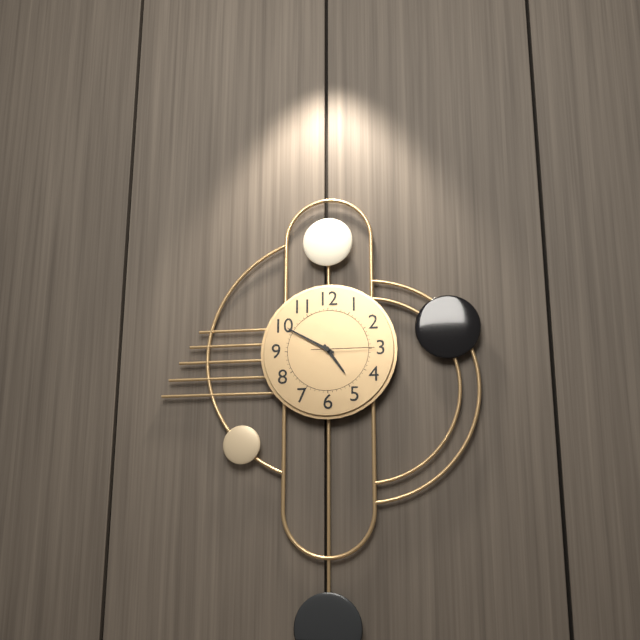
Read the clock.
4:50:15
